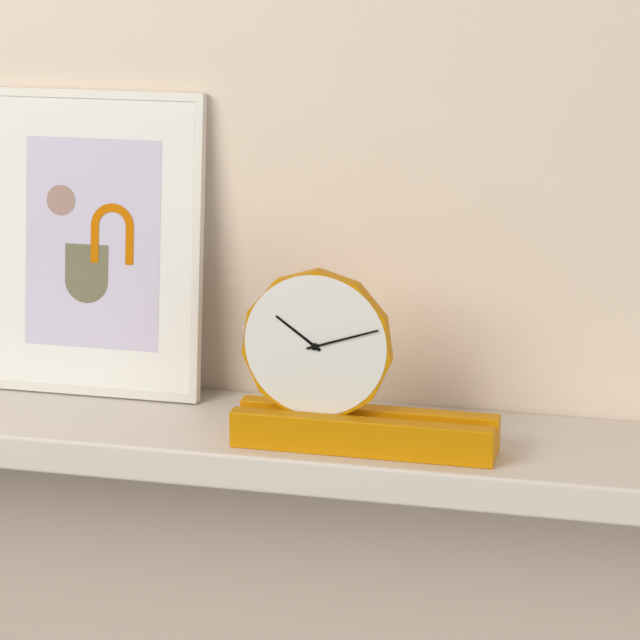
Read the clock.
10:12
